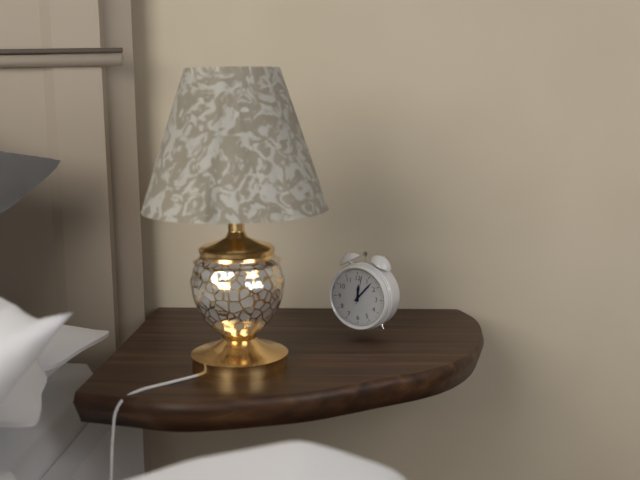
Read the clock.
12:07
